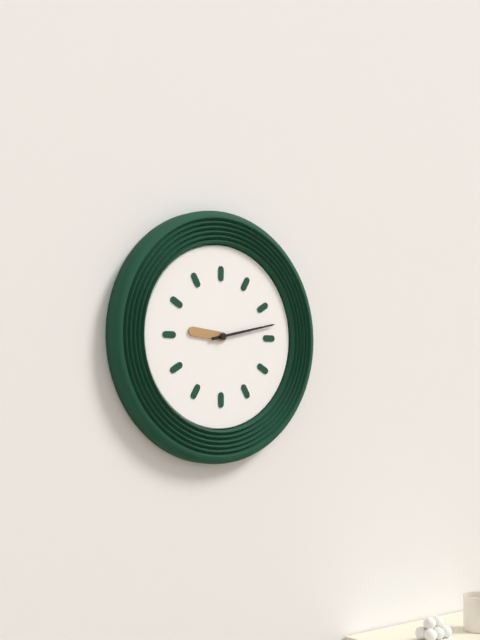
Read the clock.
9:13
